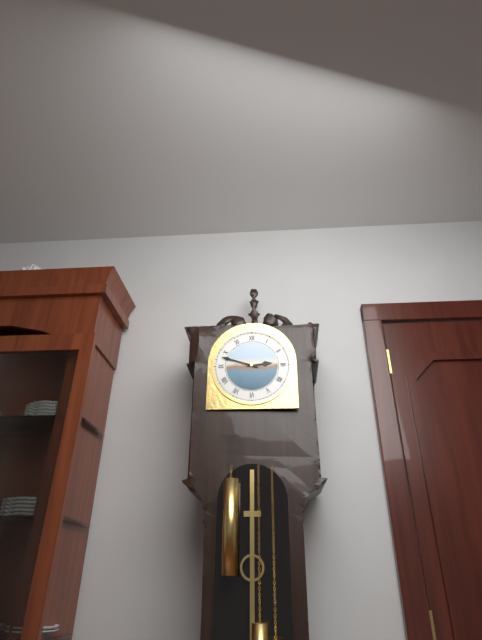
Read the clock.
2:48
